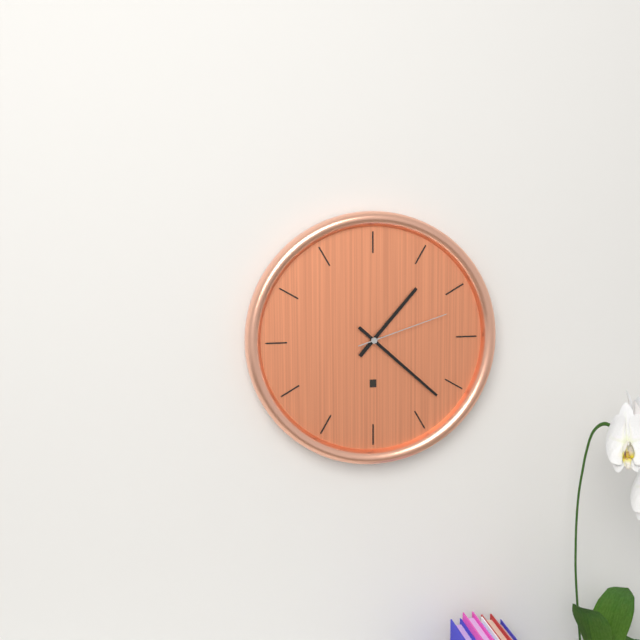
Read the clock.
1:22:12
